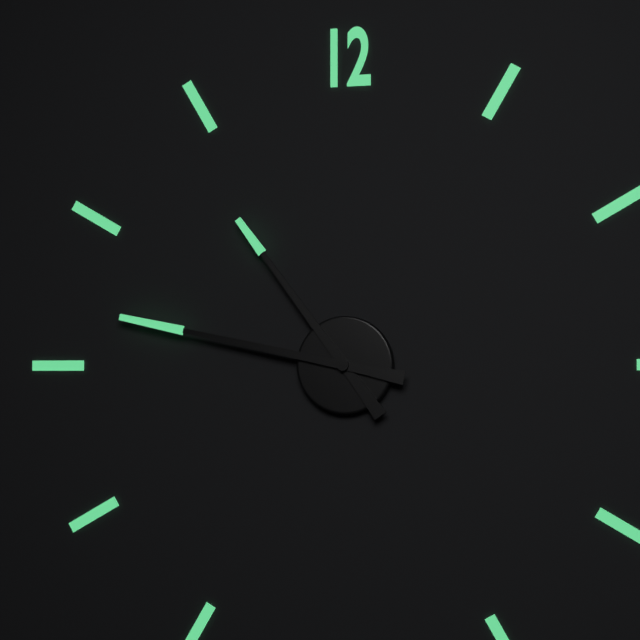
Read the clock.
10:47
